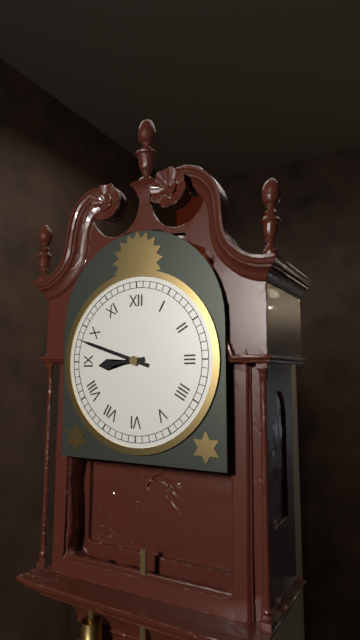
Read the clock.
8:48
